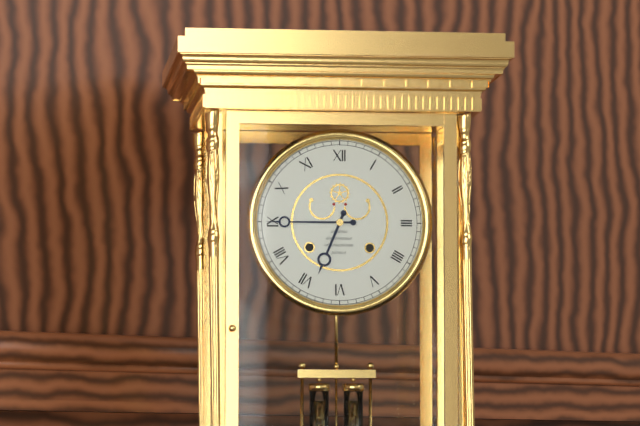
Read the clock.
6:45
